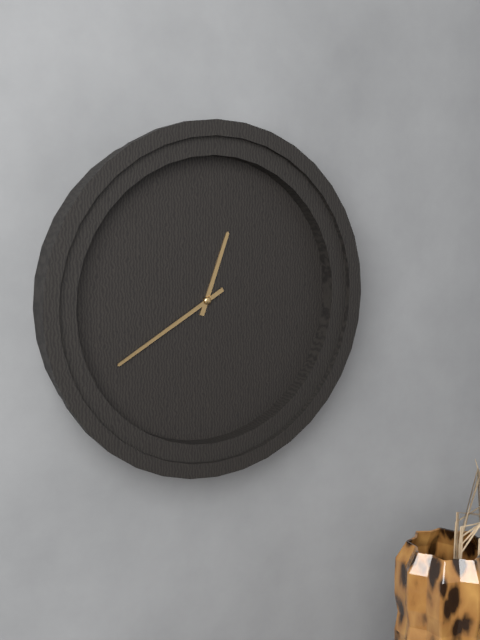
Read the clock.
12:40
